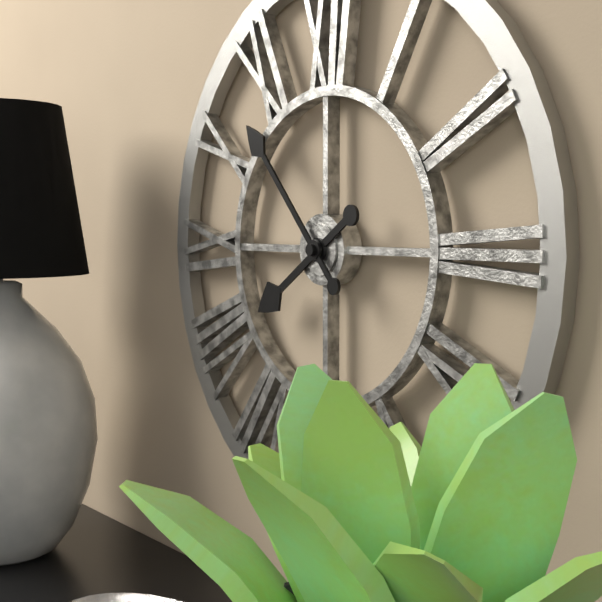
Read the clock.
7:53
